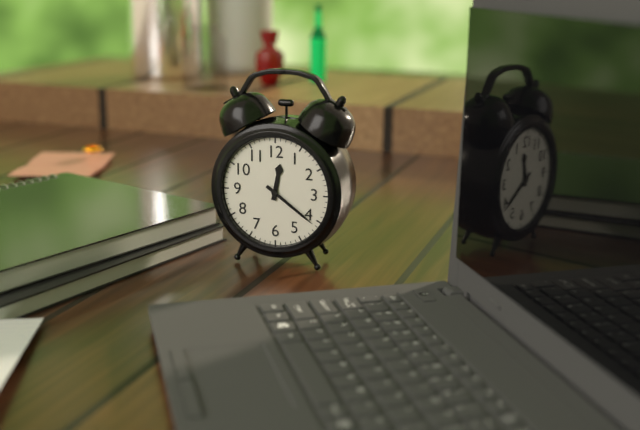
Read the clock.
12:21
